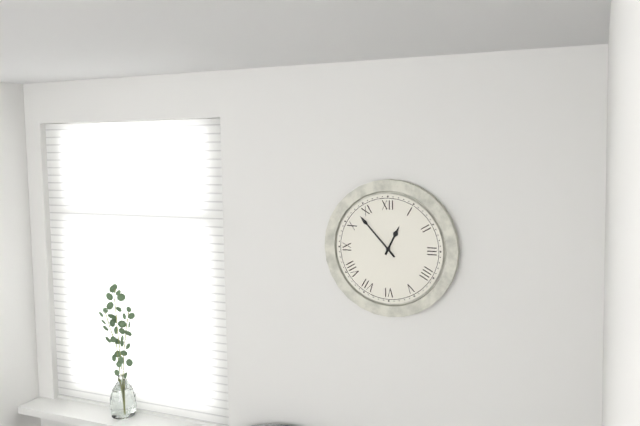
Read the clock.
12:53
